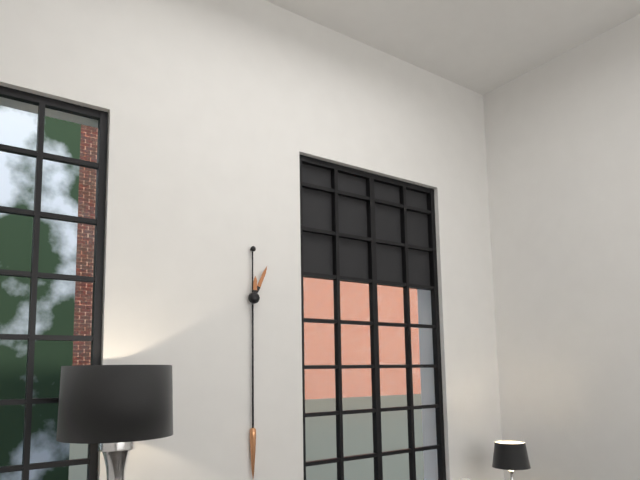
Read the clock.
12:04
